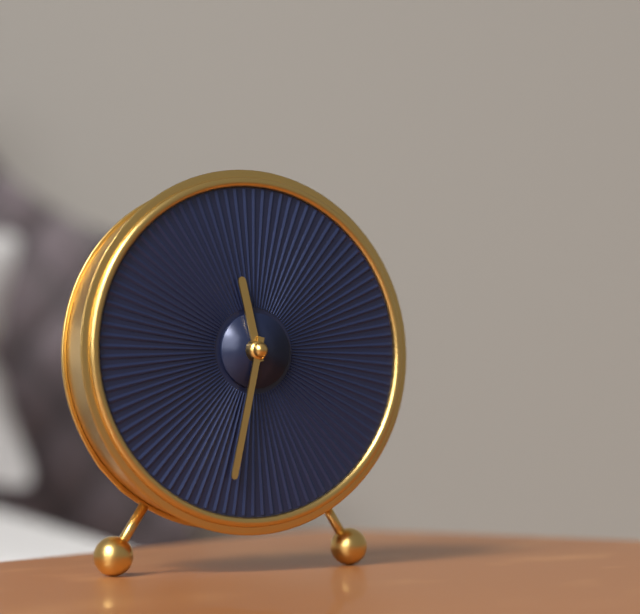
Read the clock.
11:32
